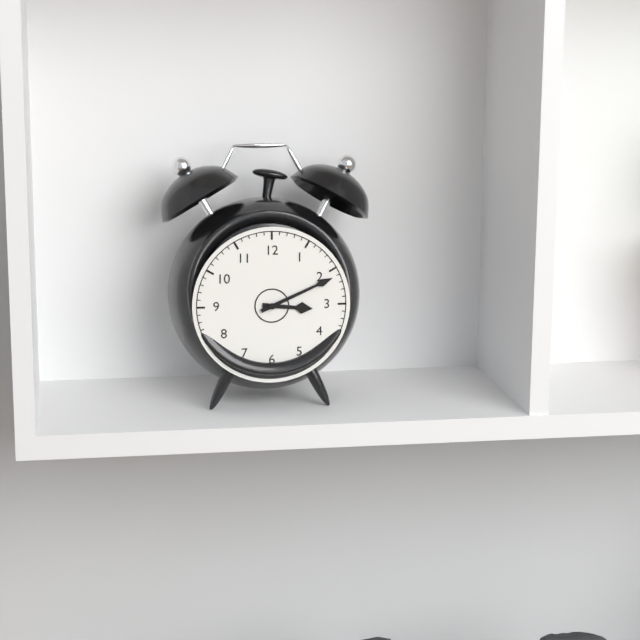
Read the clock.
3:11
